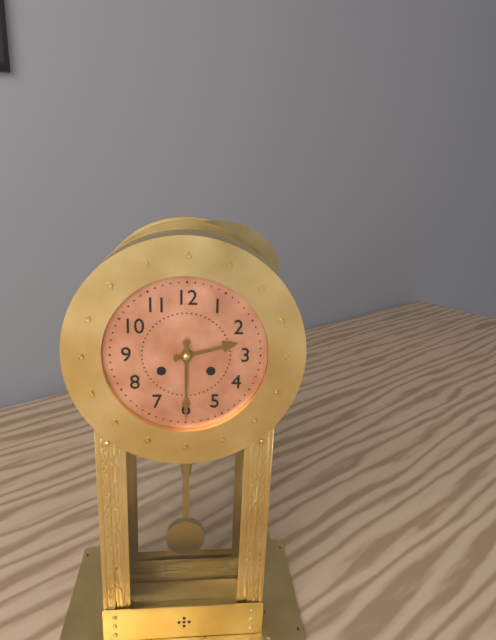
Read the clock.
2:30
